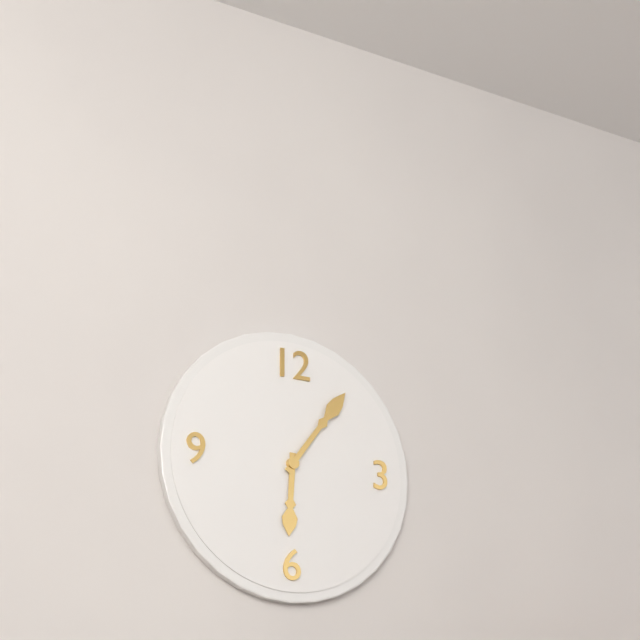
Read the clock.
6:06
